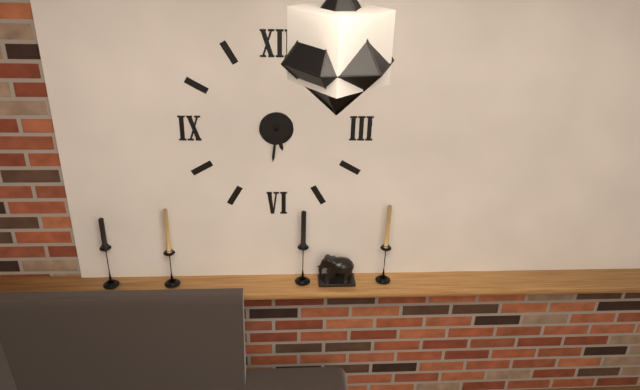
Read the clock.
5:31
